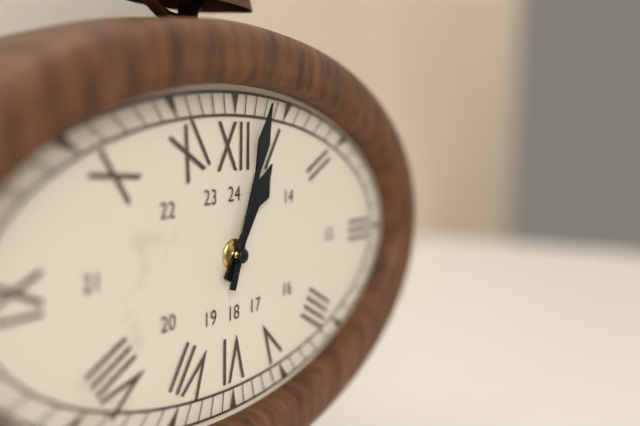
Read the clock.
1:03
